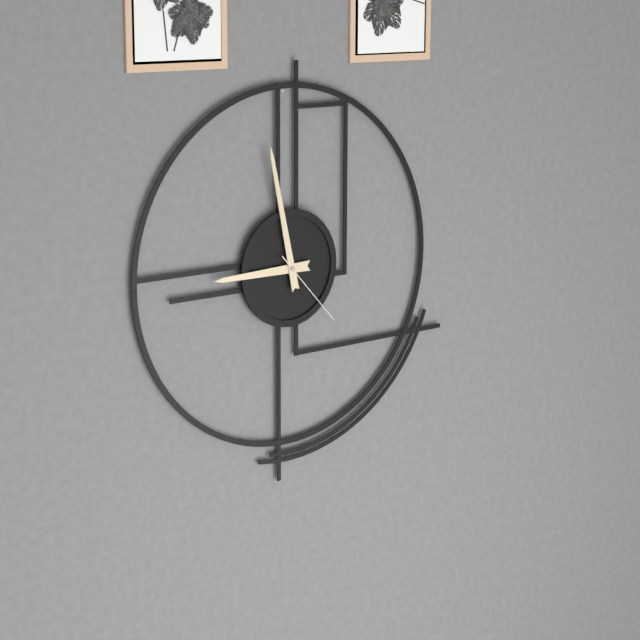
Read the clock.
8:58:23
